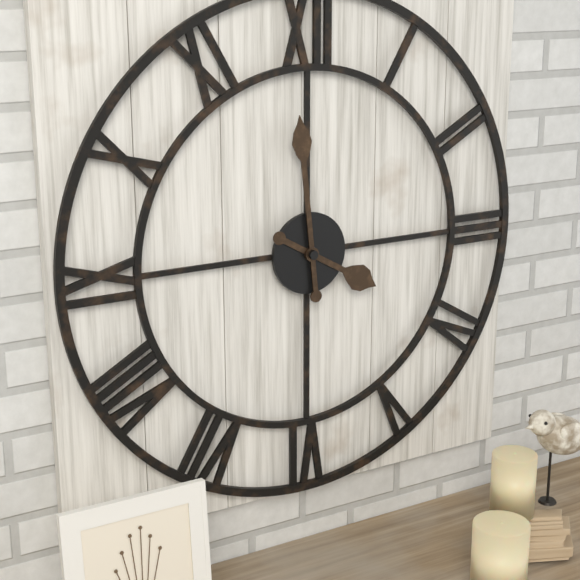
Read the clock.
3:59
